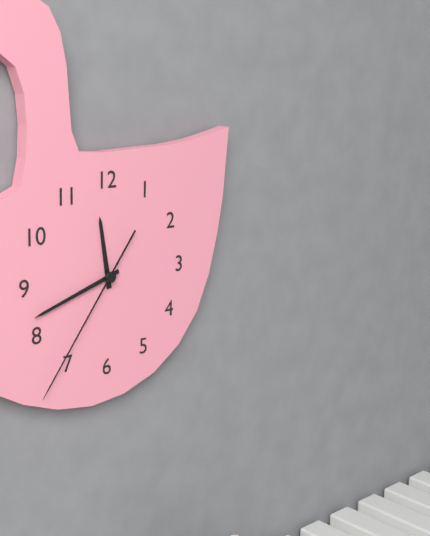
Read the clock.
11:42:36
